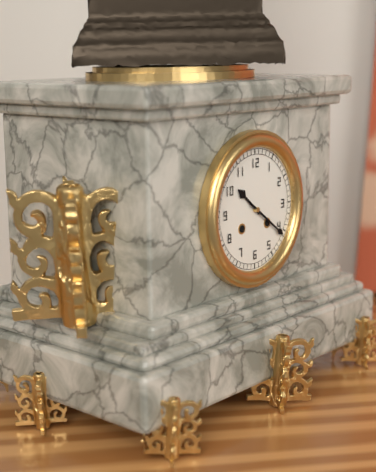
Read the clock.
10:21
